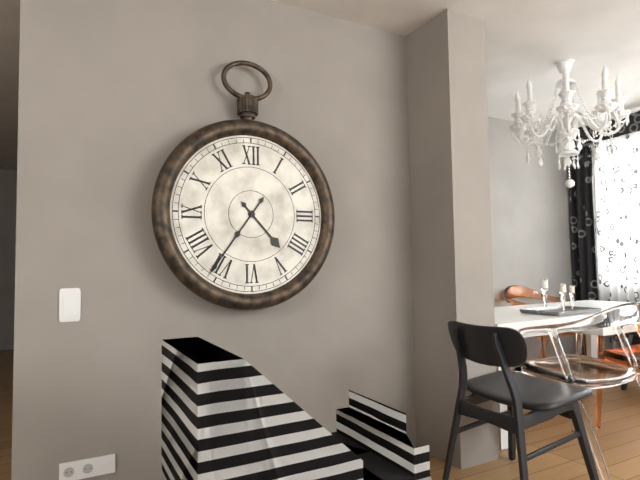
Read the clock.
4:36
